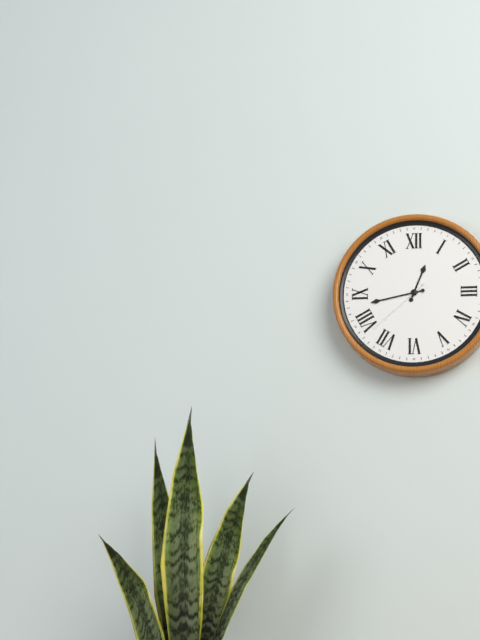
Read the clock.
12:43:38
